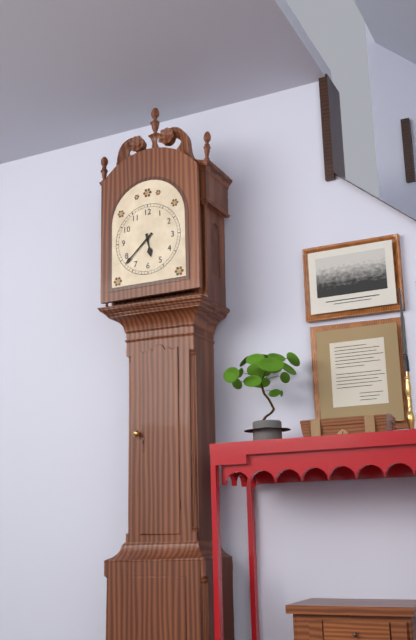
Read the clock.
5:38
